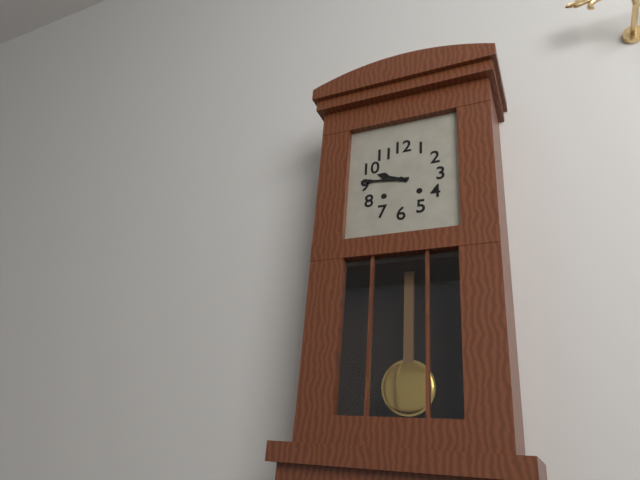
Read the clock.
9:46
